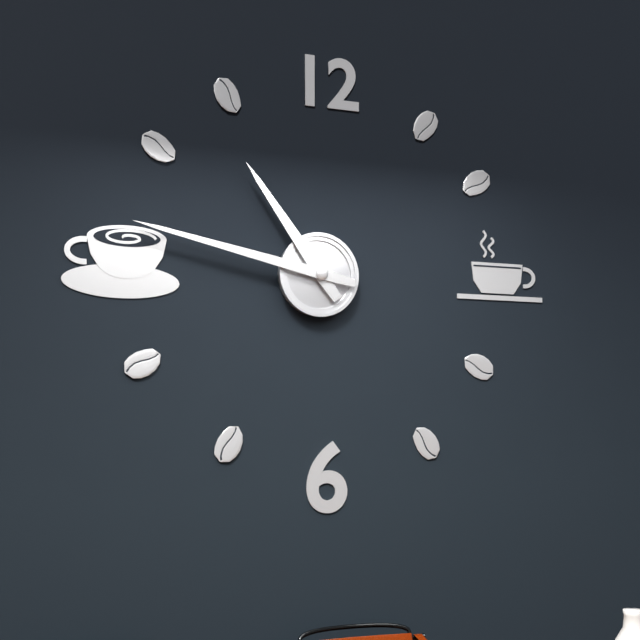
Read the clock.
10:47
